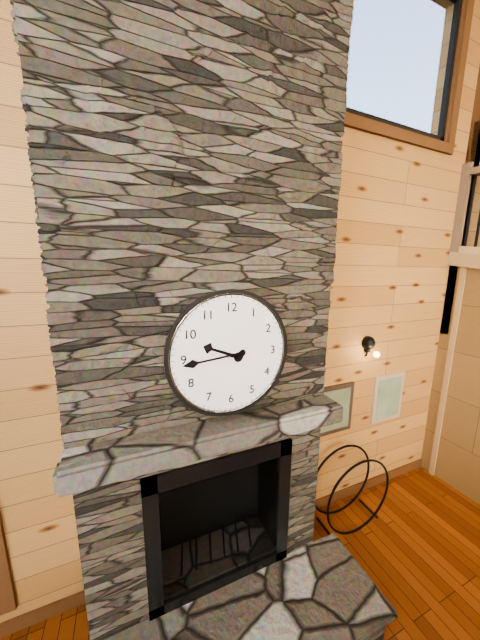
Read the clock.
9:44
